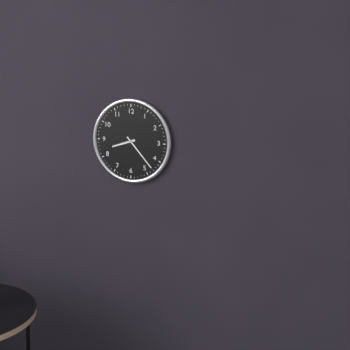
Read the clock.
8:23
